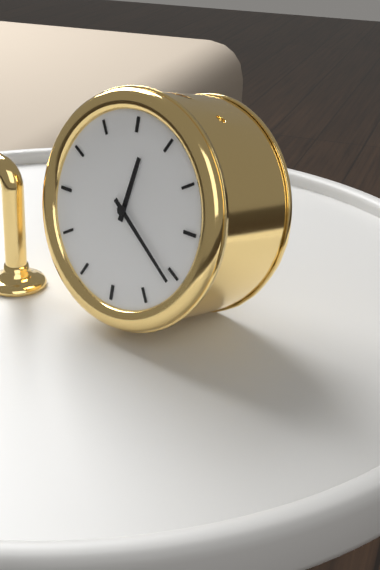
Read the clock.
12:21
